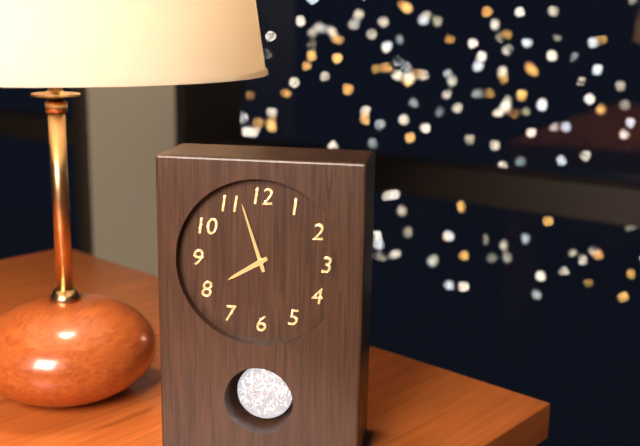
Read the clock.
7:57
